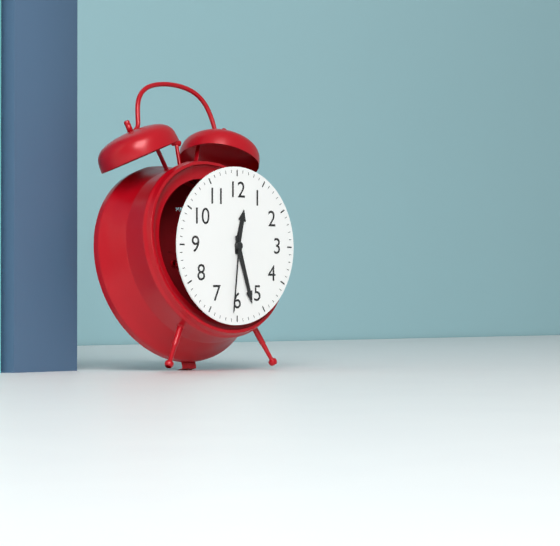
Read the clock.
12:27:31
